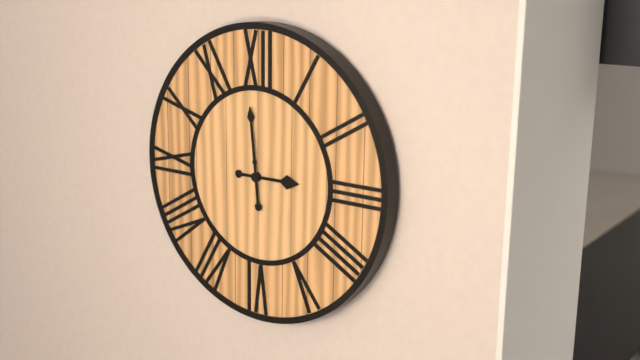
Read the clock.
2:59
